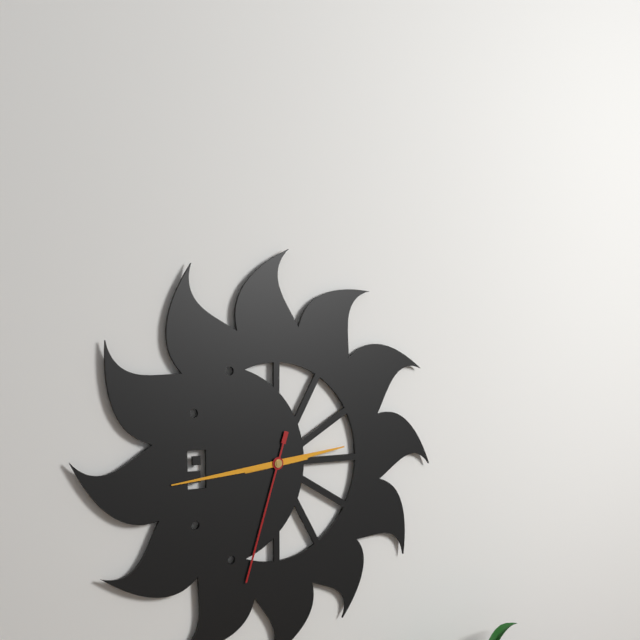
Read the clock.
2:44:33
